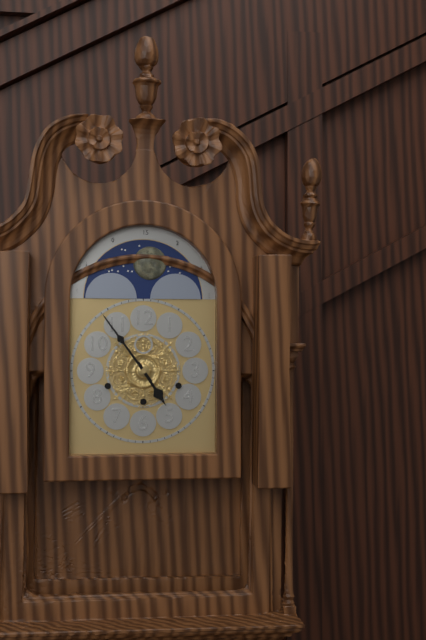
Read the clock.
4:54
